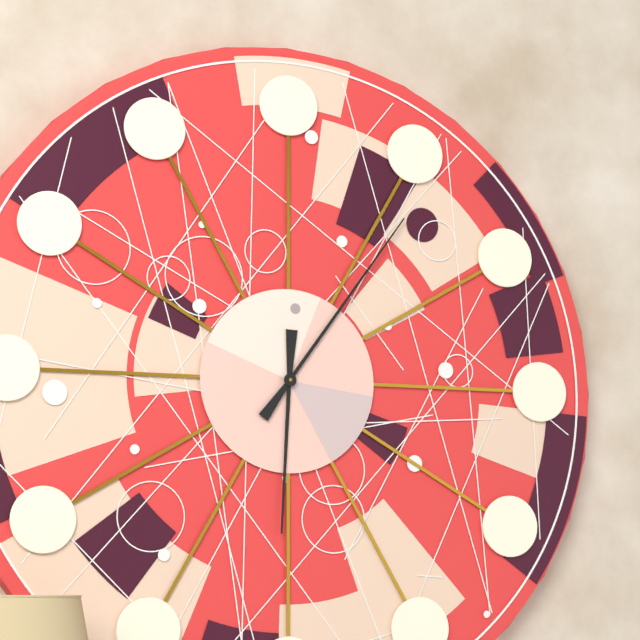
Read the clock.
6:06
